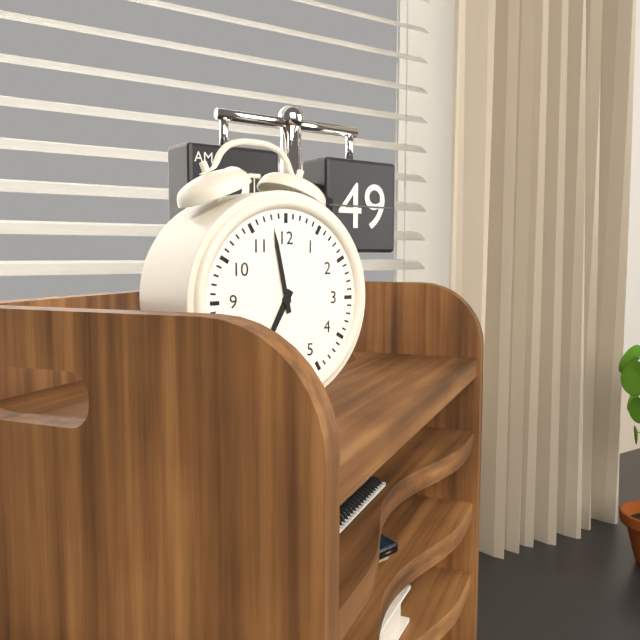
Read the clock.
6:58
